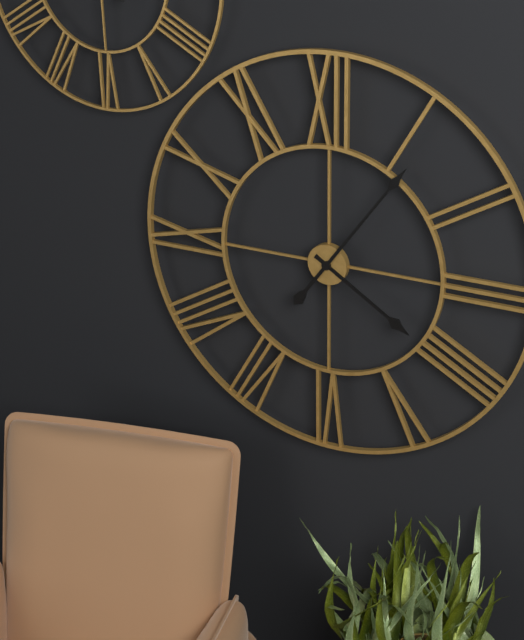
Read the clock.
4:06
